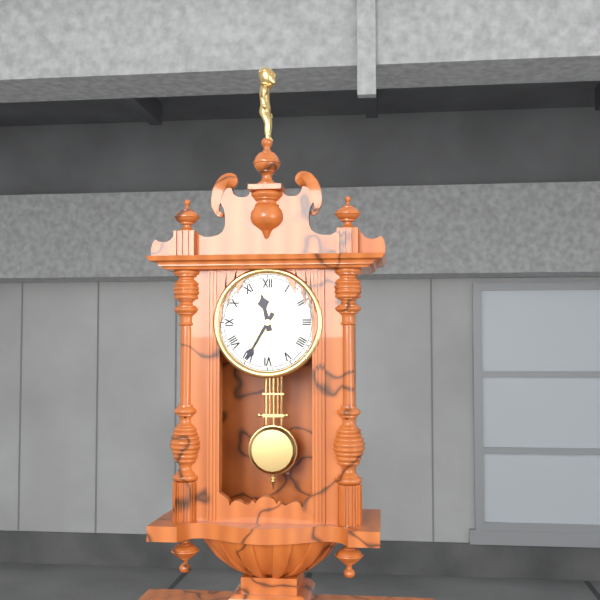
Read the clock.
11:35
